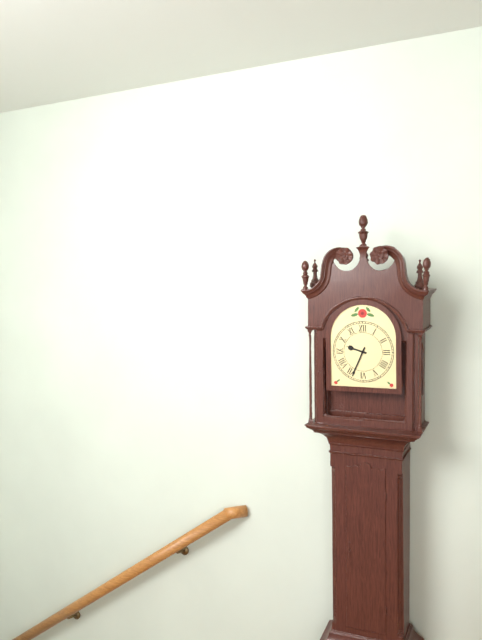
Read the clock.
9:34
